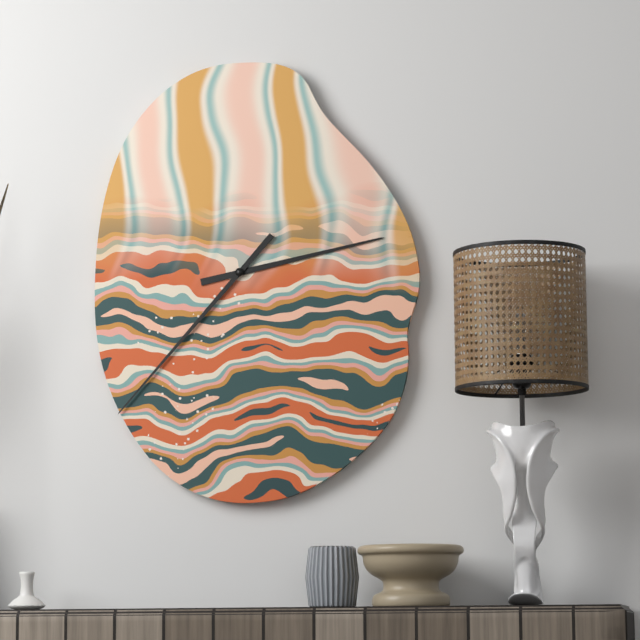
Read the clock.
2:37
